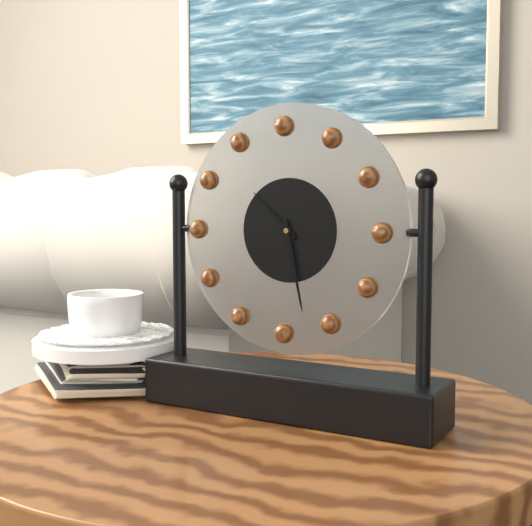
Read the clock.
10:28
